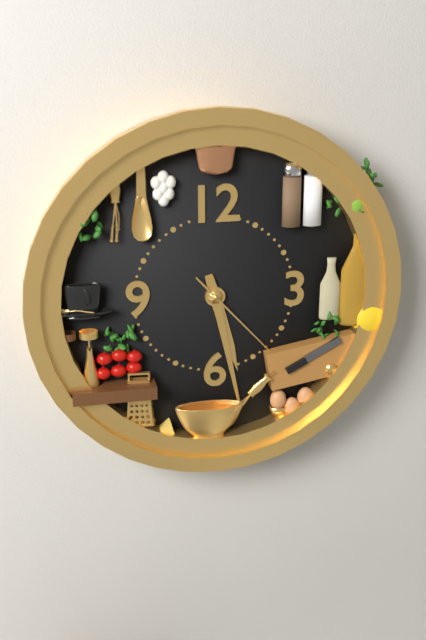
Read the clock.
5:28:23
